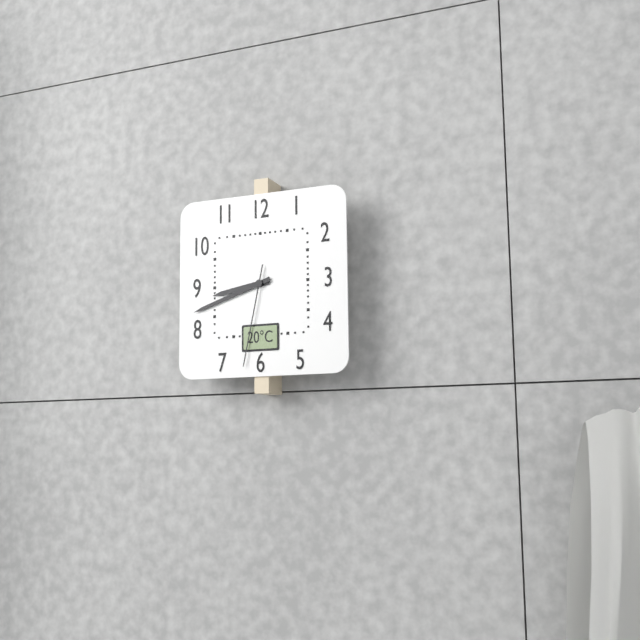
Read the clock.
8:42:32
